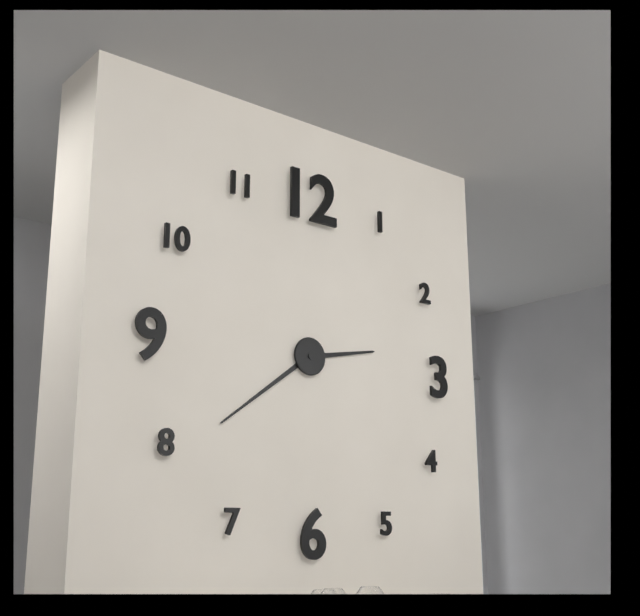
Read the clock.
2:39
